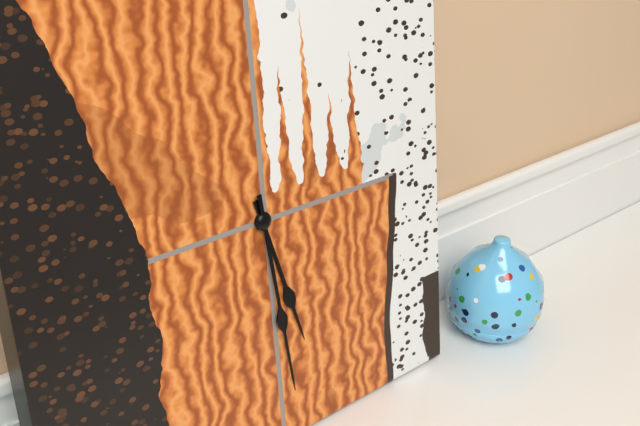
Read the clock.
5:29
